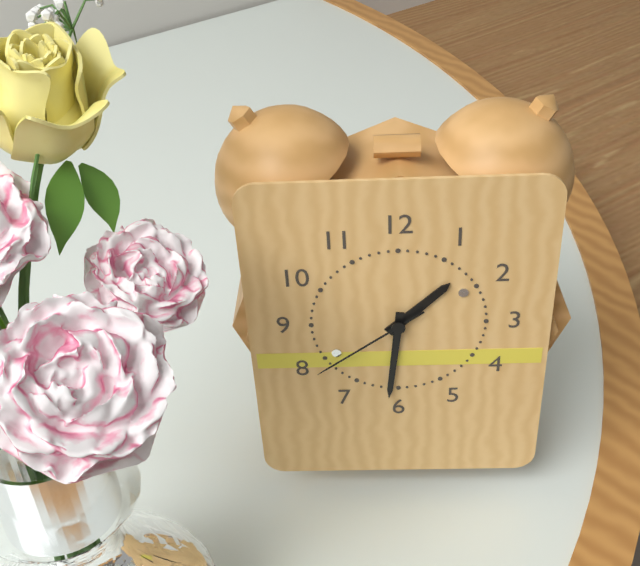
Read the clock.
1:31:39
